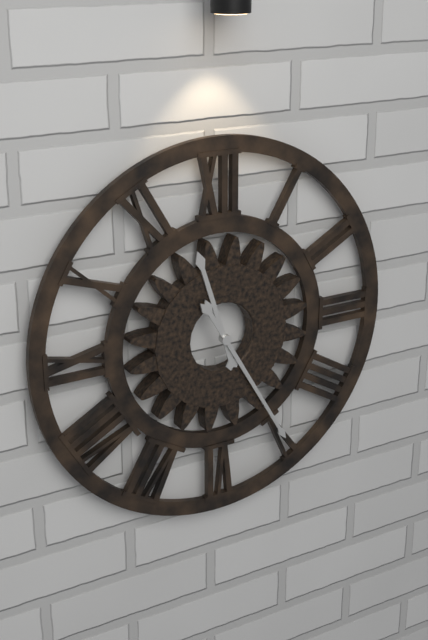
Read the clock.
11:25
